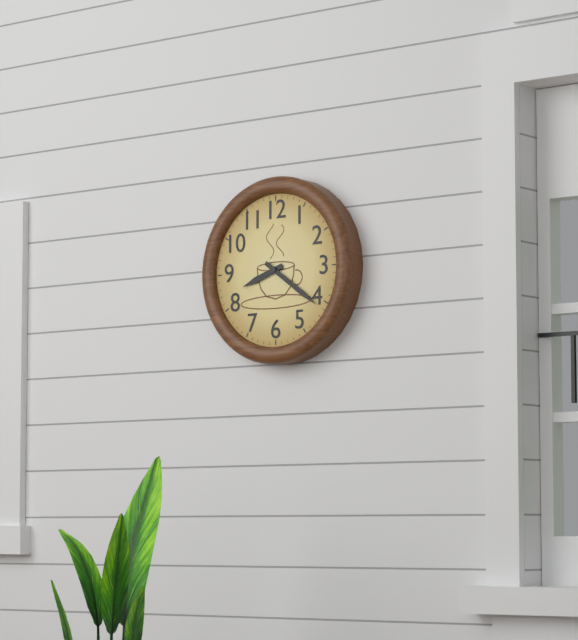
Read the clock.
8:21
